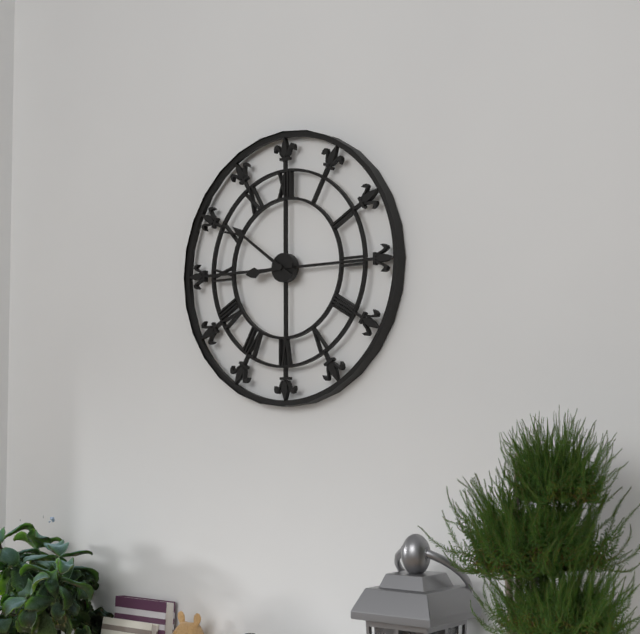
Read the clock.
8:51
